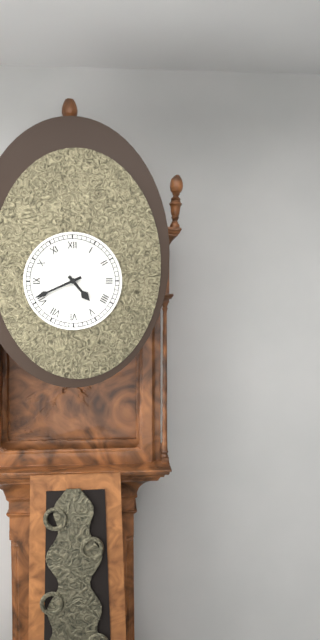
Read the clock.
4:41
